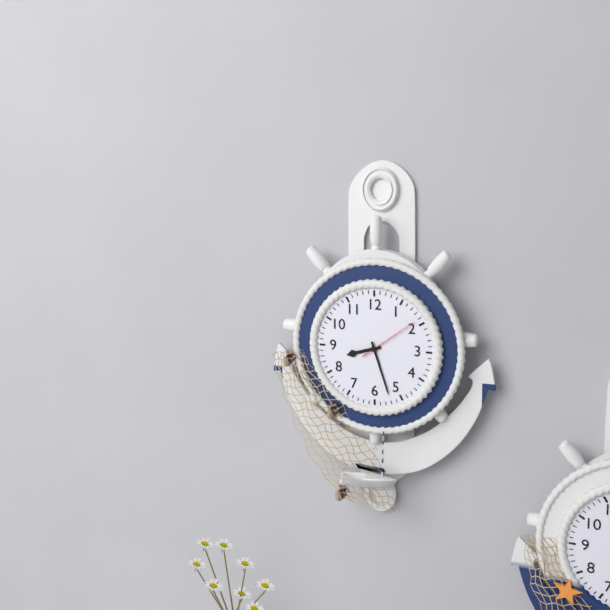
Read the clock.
8:27:09
